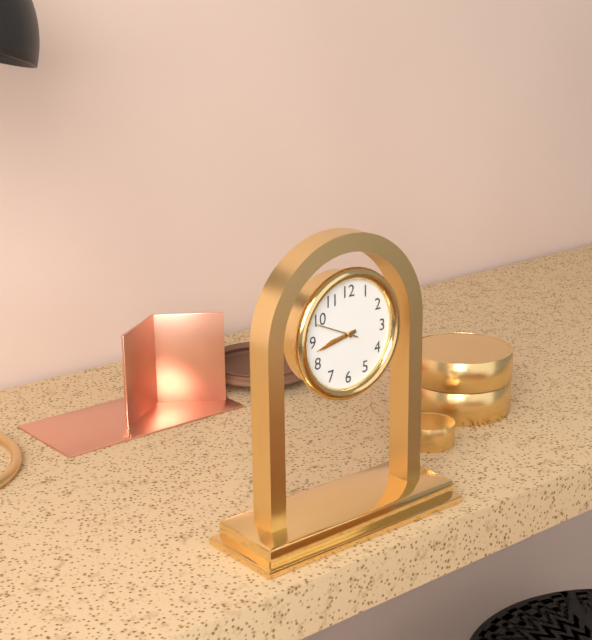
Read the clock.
8:43
